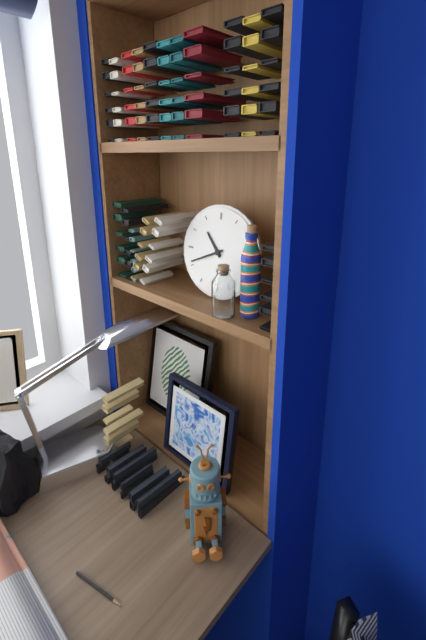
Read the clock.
10:41
